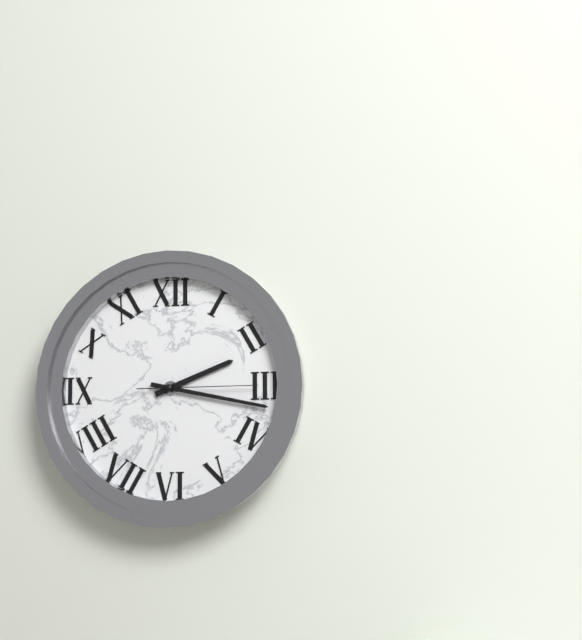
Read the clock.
2:17:15
